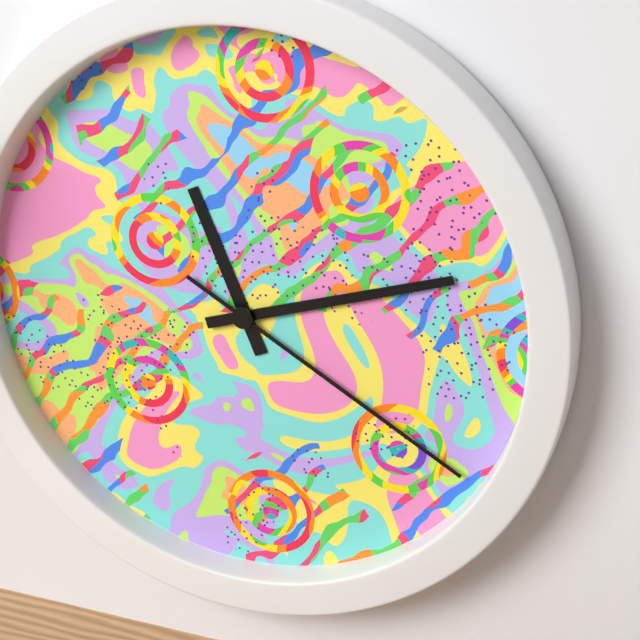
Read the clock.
11:12:20
